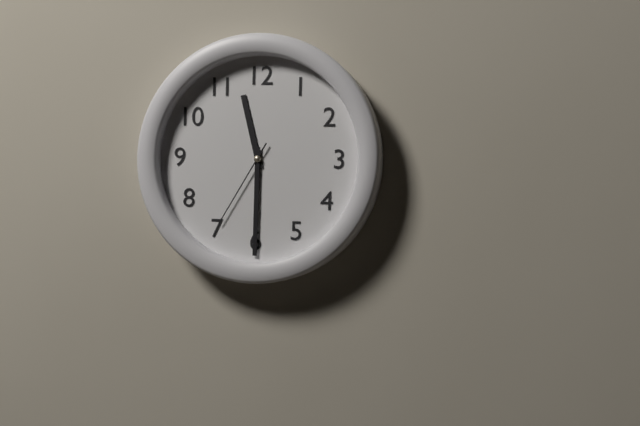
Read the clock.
11:30:35
